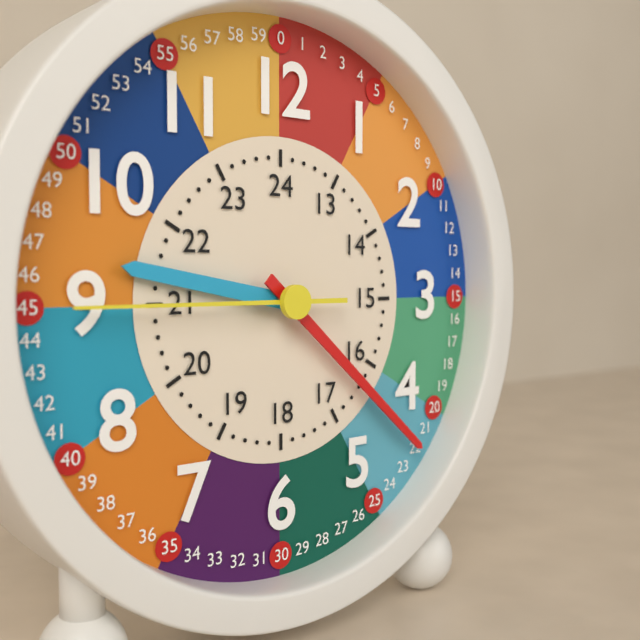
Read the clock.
9:22:45
